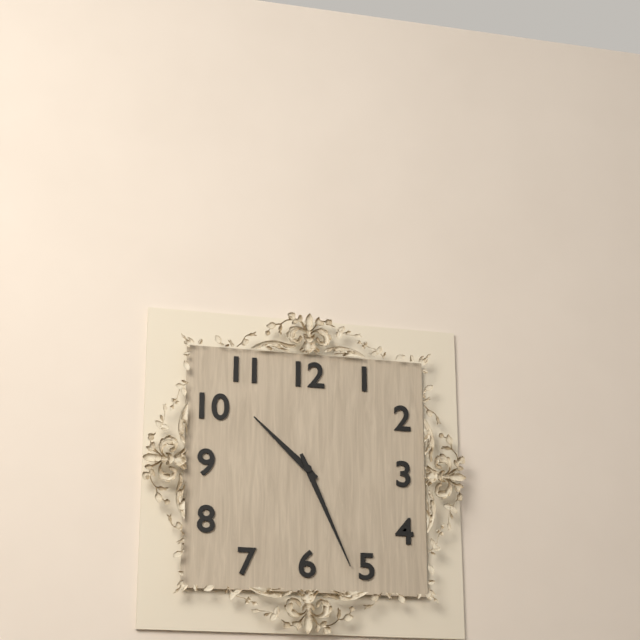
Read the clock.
10:26
